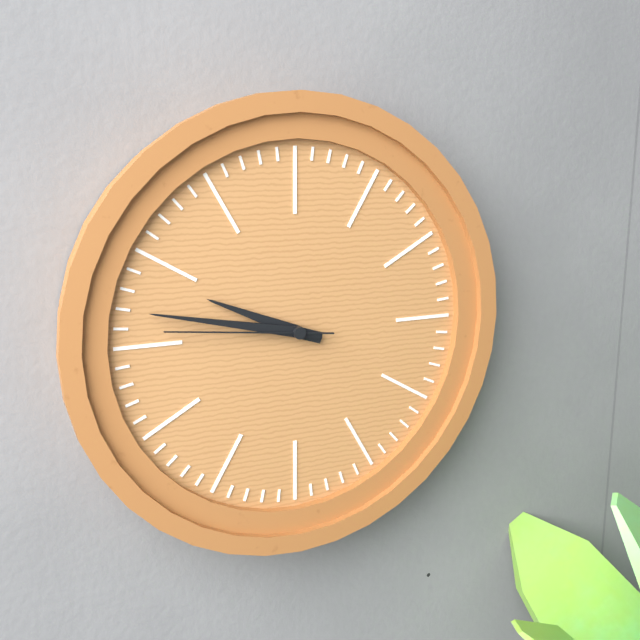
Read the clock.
9:47:46
